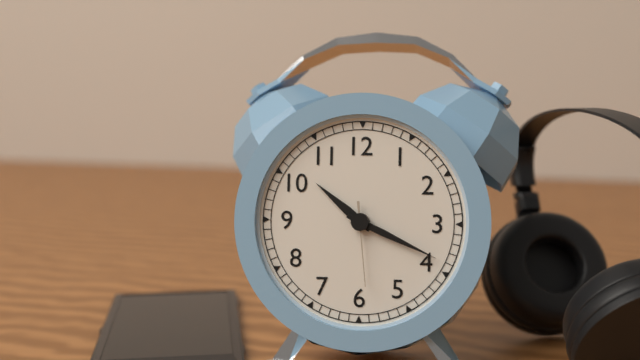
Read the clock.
10:19:29
